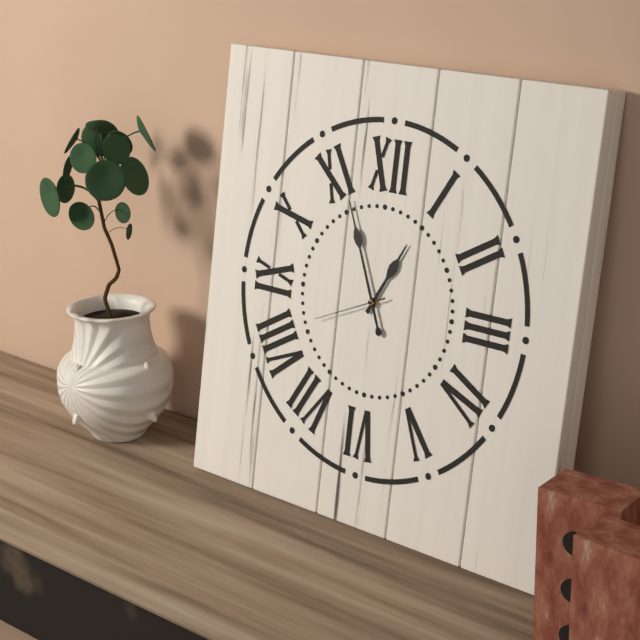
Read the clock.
12:56:41
